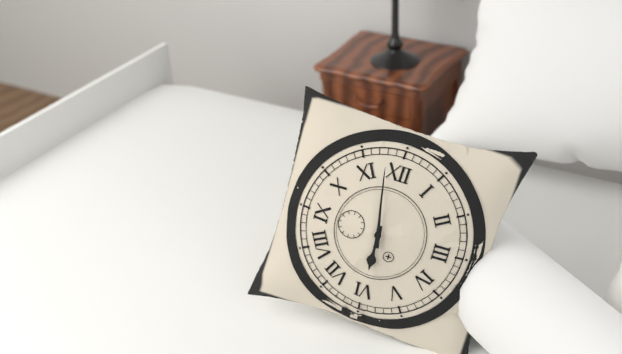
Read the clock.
5:58
